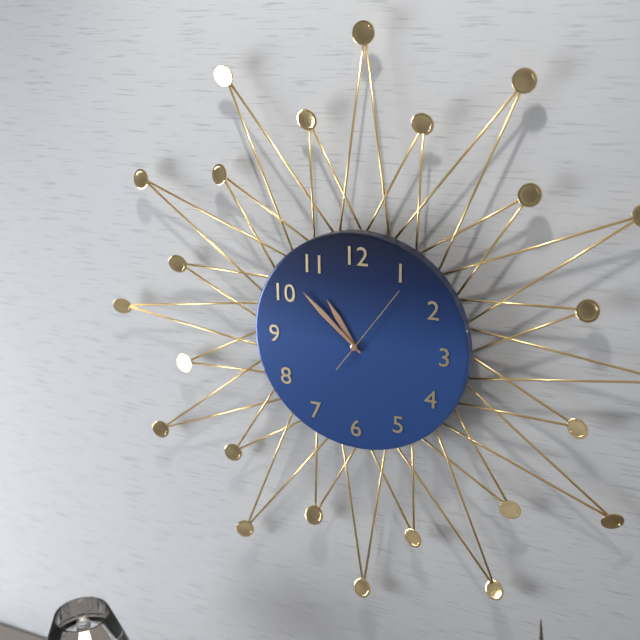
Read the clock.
10:52:06
